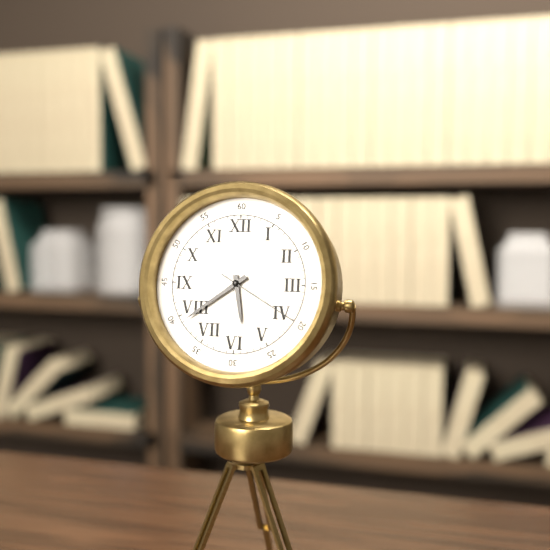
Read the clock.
5:39:20
